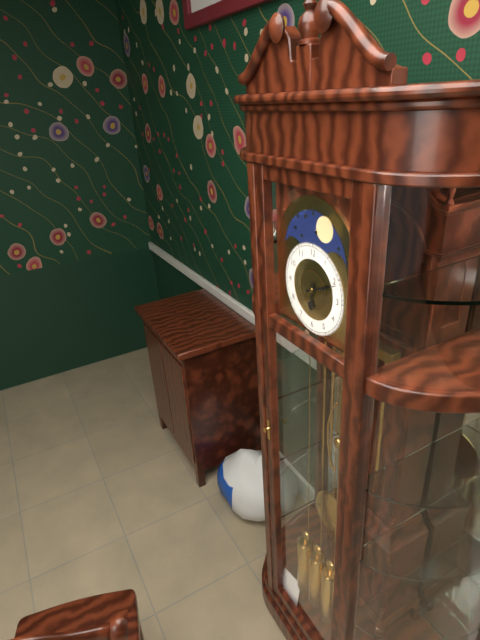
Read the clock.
6:11
